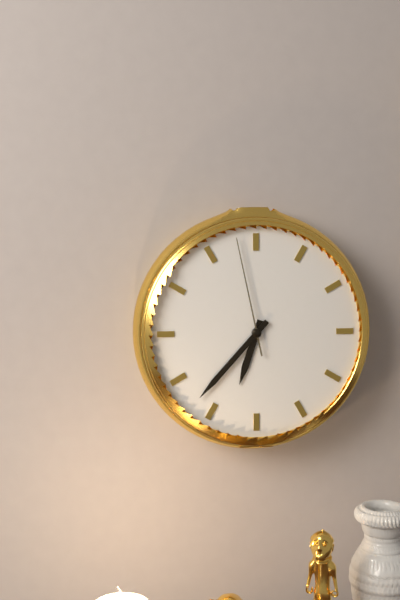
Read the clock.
6:37:58
